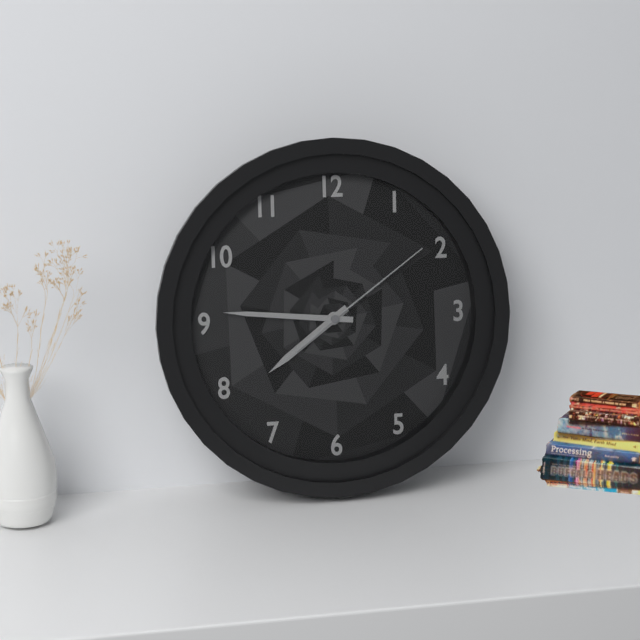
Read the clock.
7:46:09
